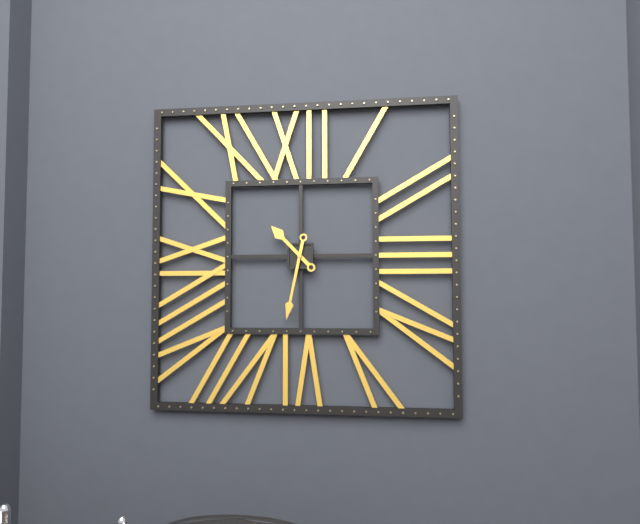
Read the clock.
10:32
